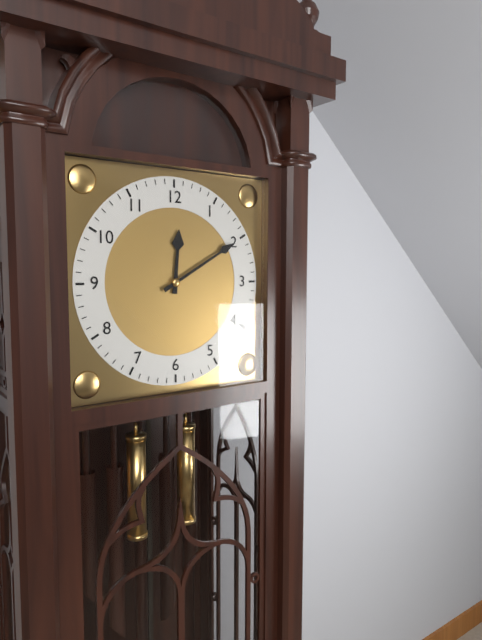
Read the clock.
12:10
